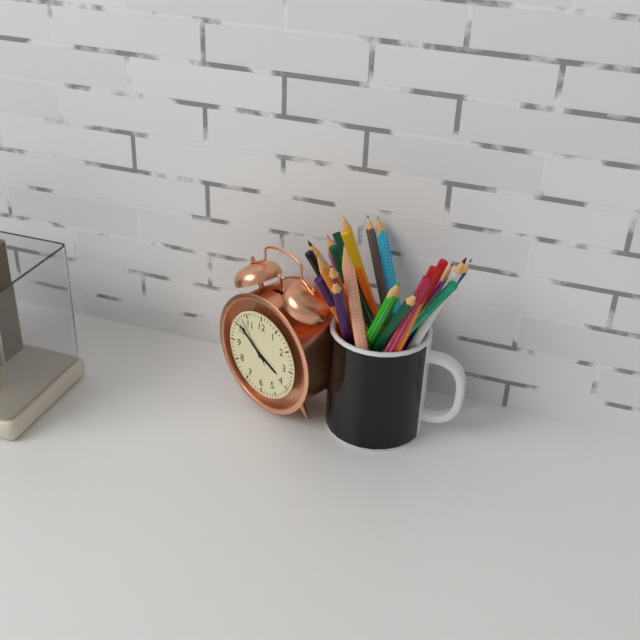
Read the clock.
3:51:53
